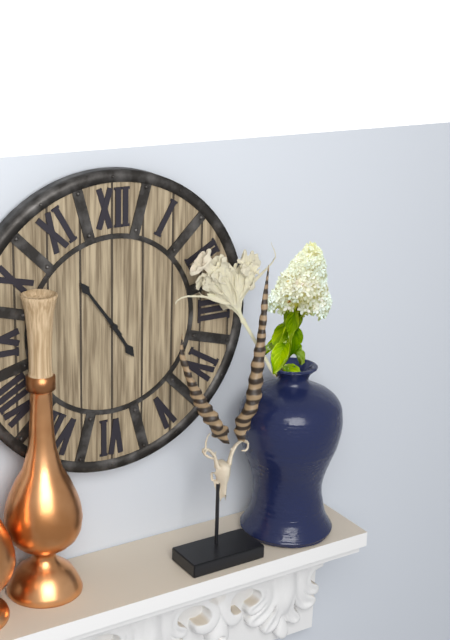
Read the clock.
4:54
